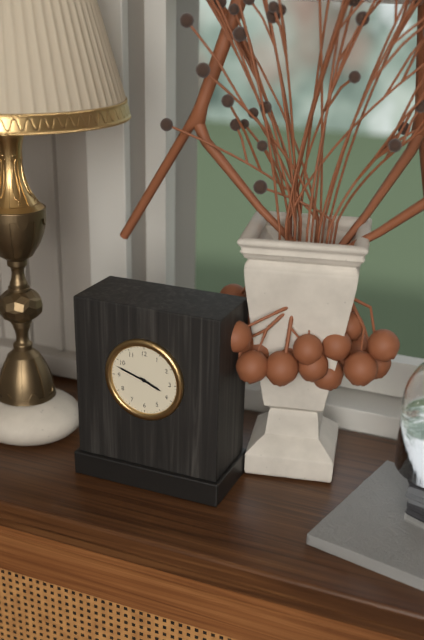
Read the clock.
3:48
